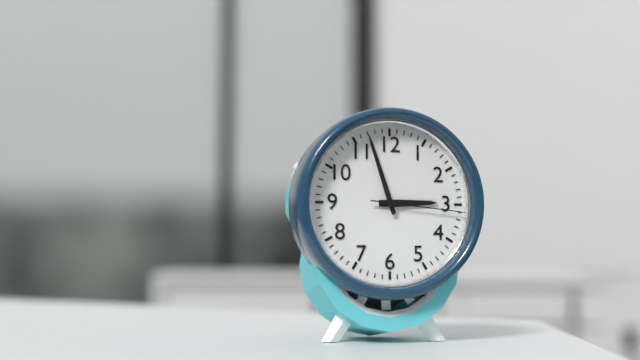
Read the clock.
2:57:16
